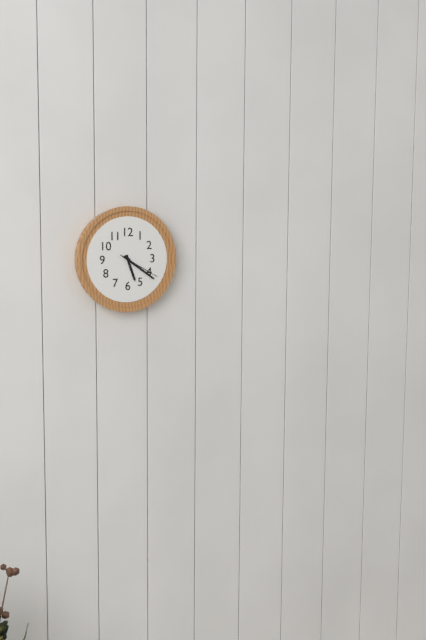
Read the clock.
5:21
